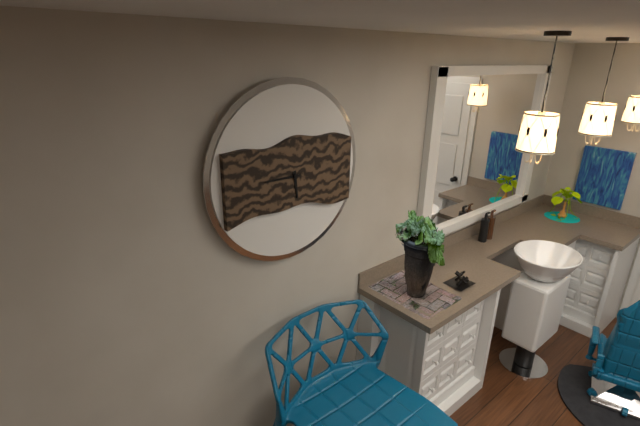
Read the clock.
5:45
